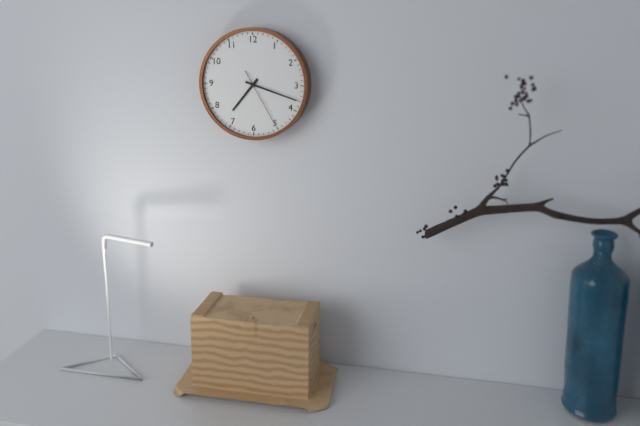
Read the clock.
7:18:25
